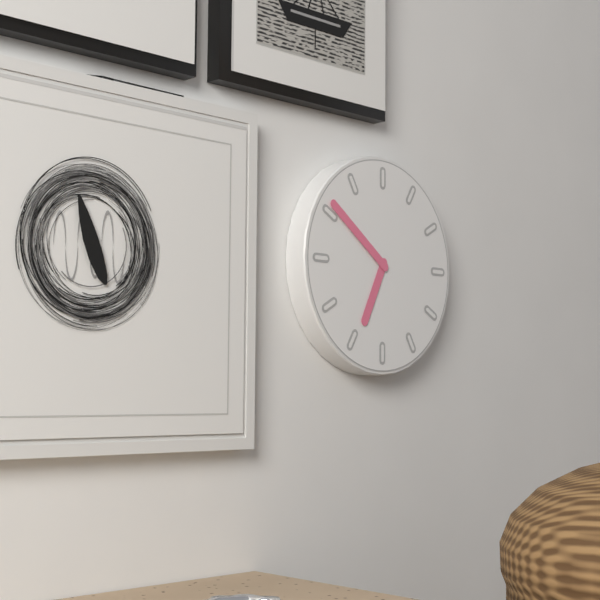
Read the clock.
6:51
